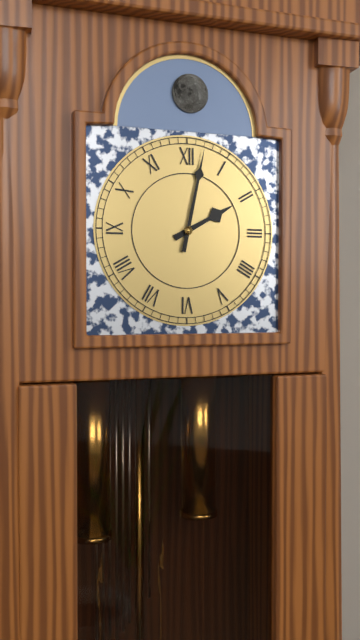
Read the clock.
2:02
